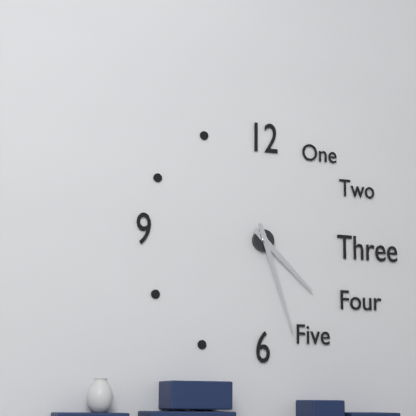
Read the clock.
4:27
